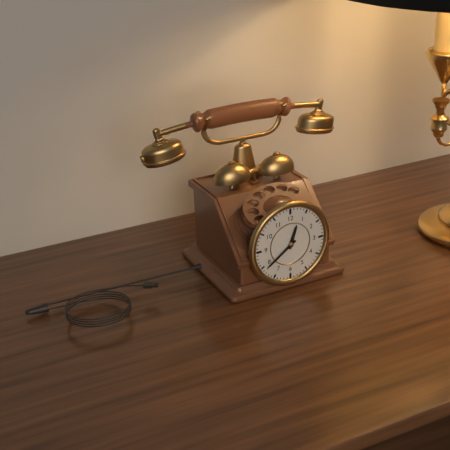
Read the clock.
12:39
